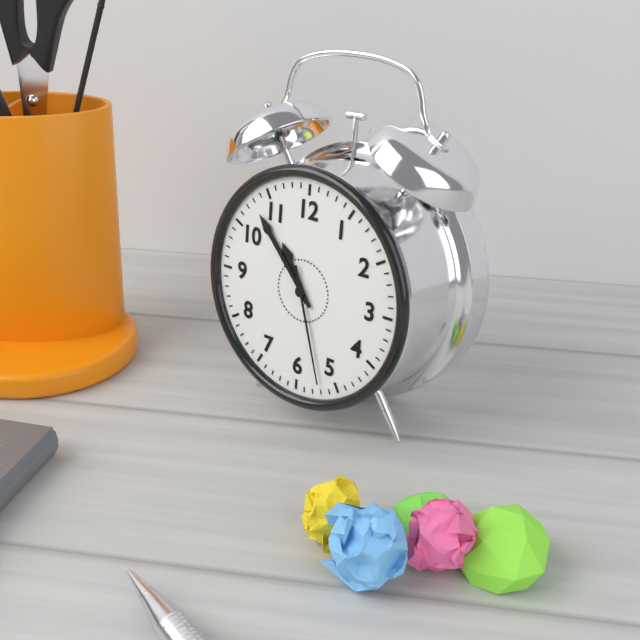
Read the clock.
10:53:27
